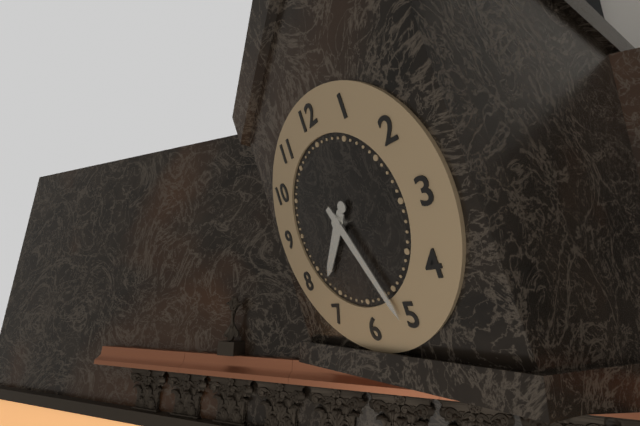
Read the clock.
7:26
